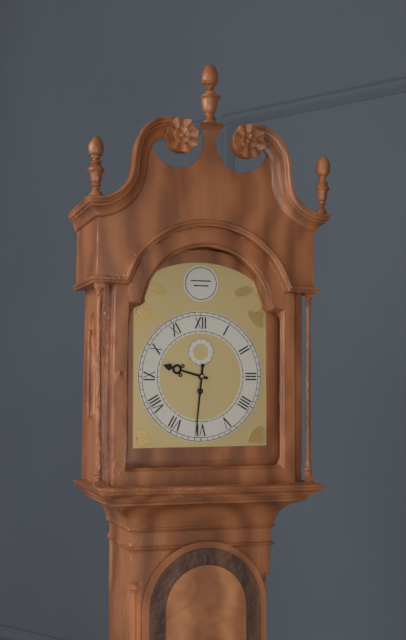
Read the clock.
9:31
